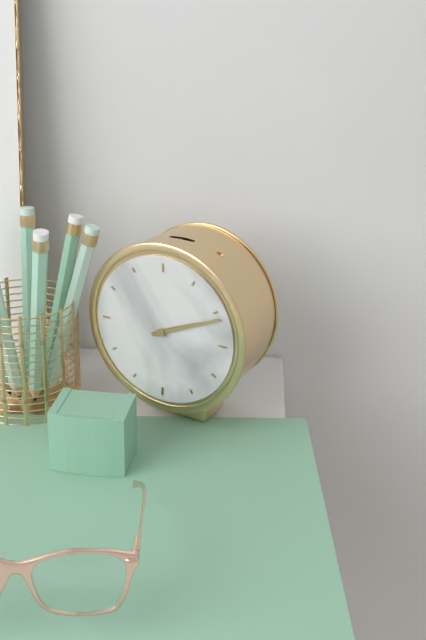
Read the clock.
2:11
